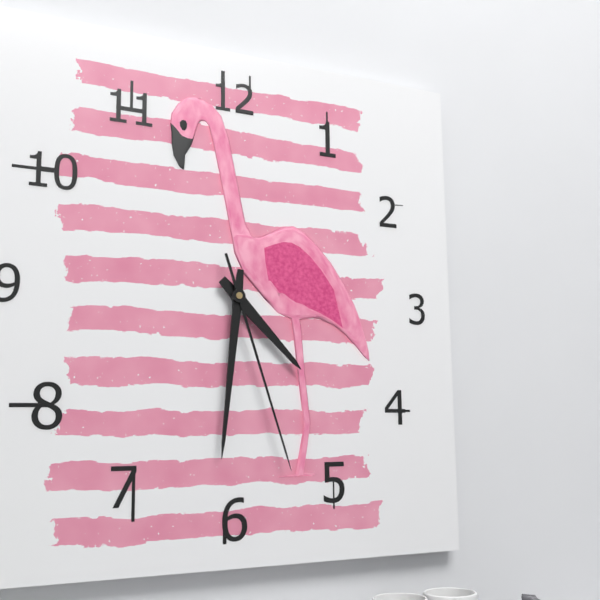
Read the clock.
4:31:27
